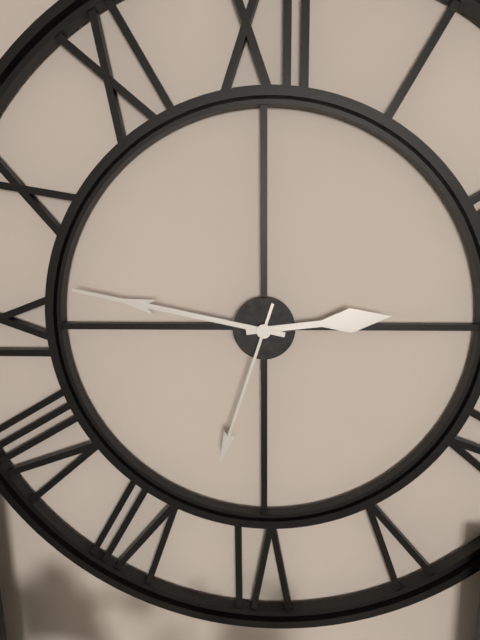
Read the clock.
2:47:33
